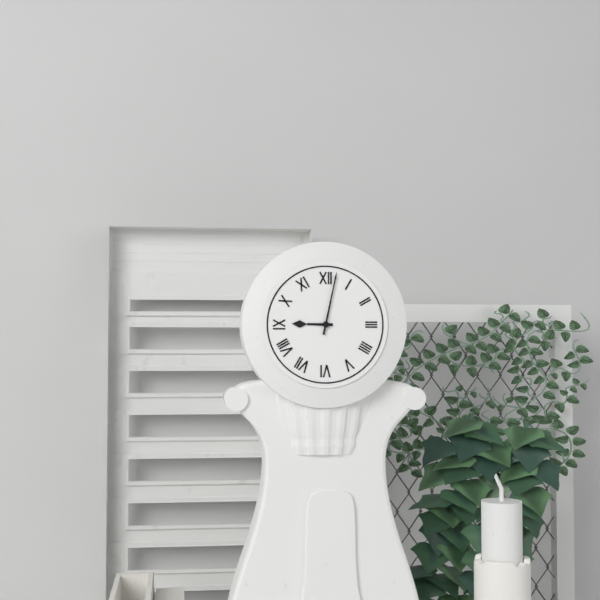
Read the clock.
9:02
